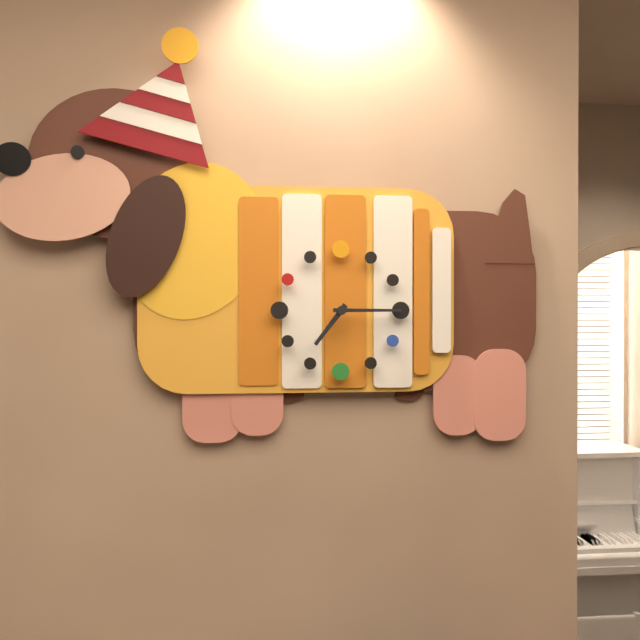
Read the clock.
7:15
